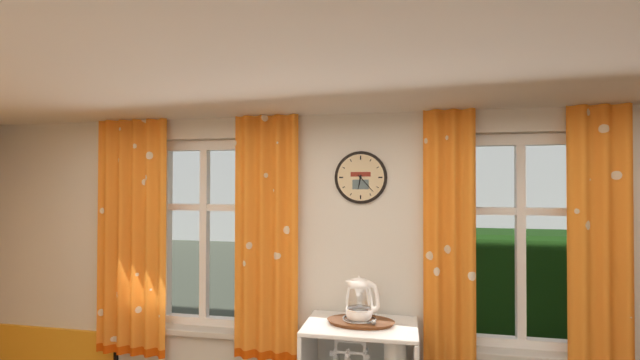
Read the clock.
6:23
